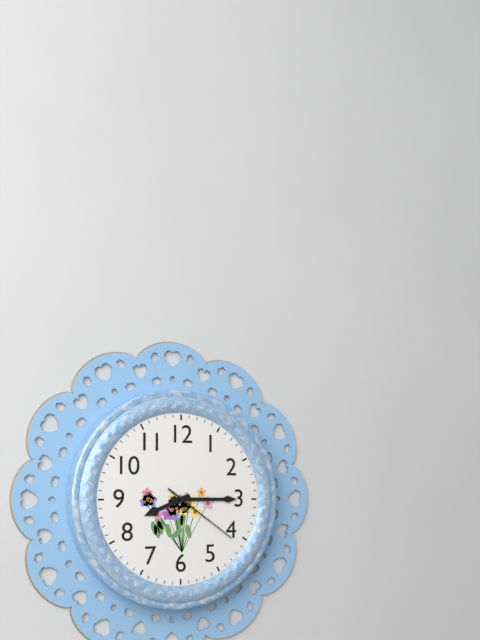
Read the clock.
8:15:21
